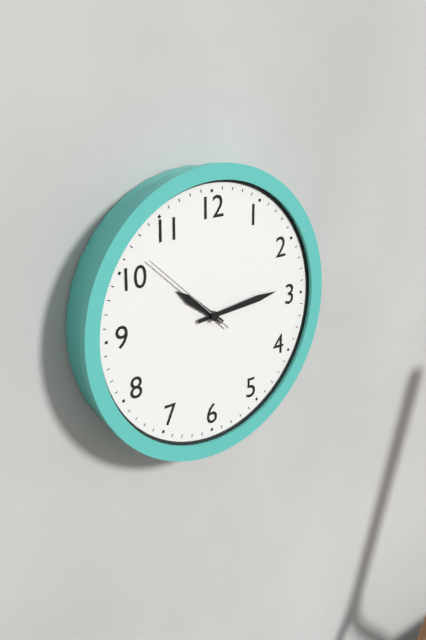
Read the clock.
10:14:52
